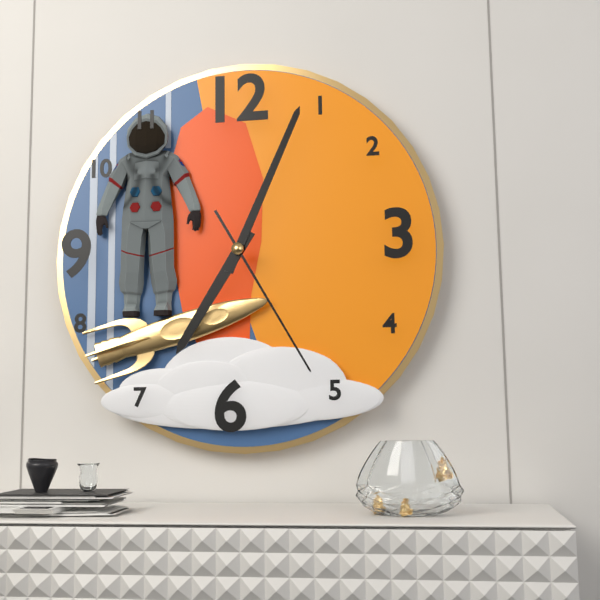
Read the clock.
7:04:25
